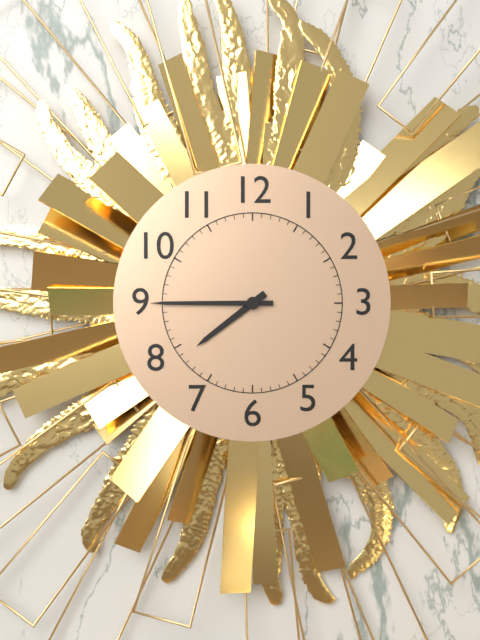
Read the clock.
7:45
